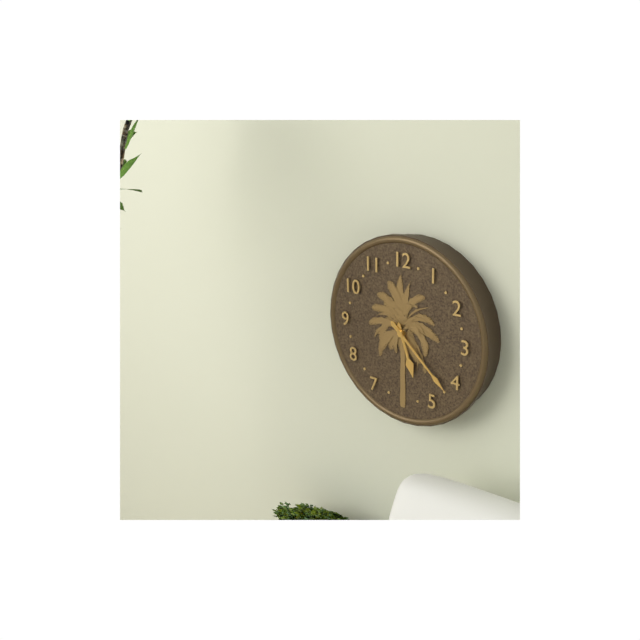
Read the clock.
5:22
